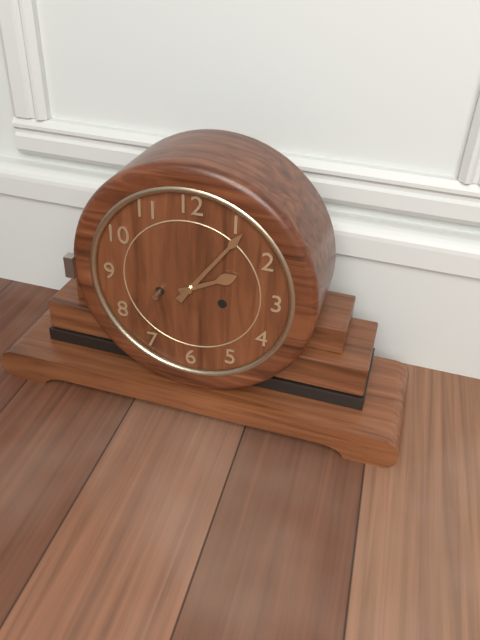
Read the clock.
2:06
